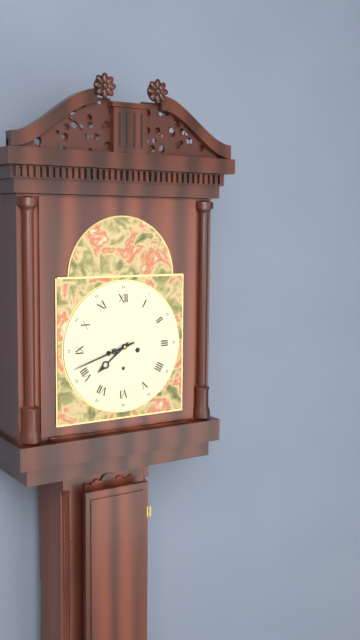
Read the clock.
7:42
